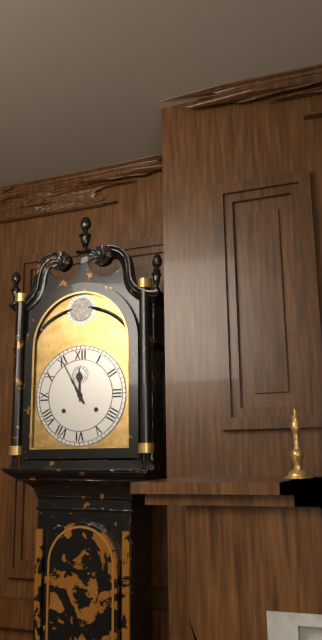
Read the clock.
11:55
